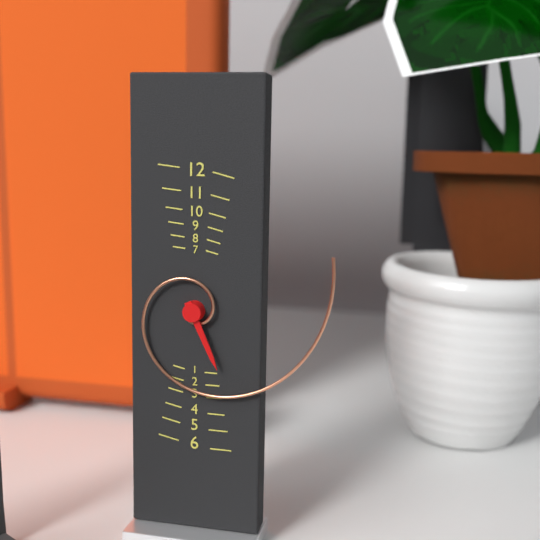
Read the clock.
5:11
